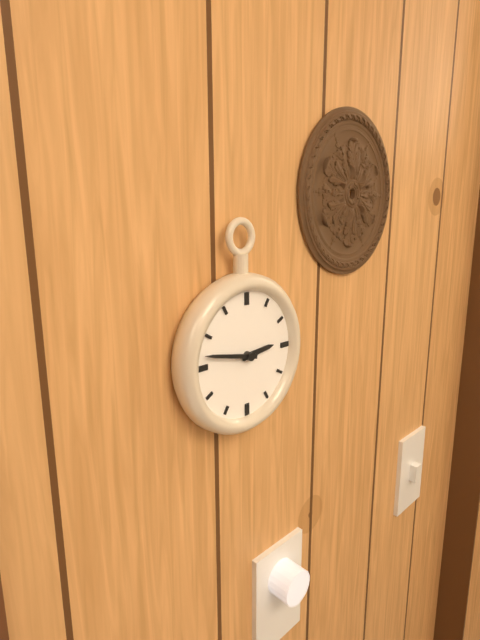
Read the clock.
2:47
